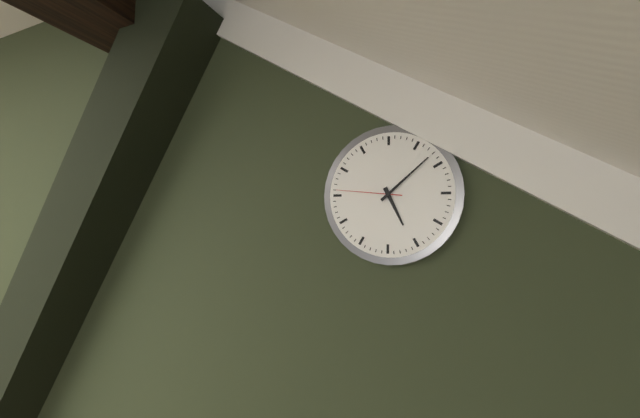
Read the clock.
5:08:46
